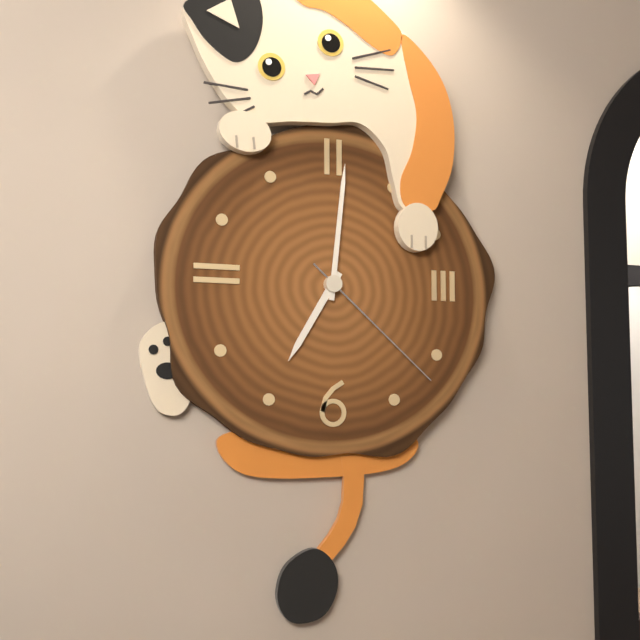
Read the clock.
7:01:22
